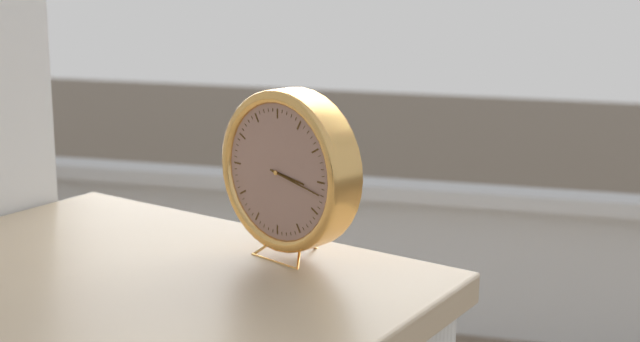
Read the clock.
3:17
